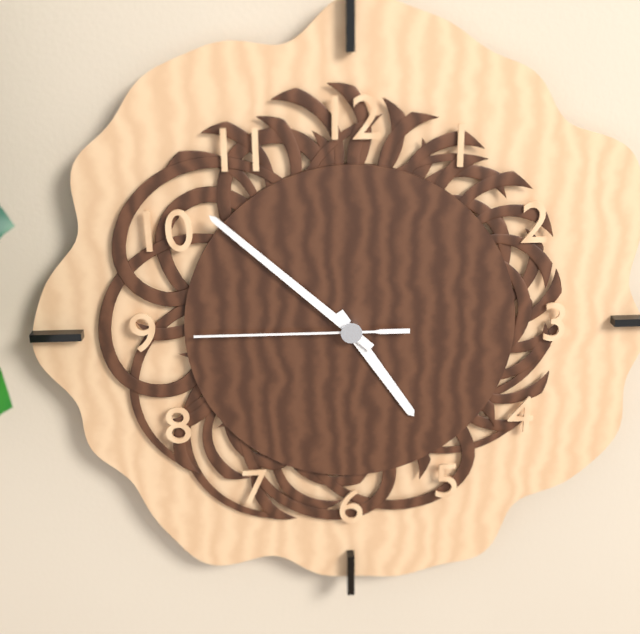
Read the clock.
4:52:45
